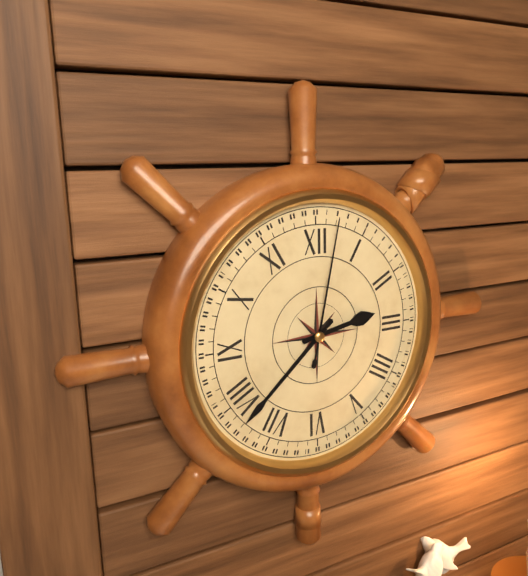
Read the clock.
2:38:02
